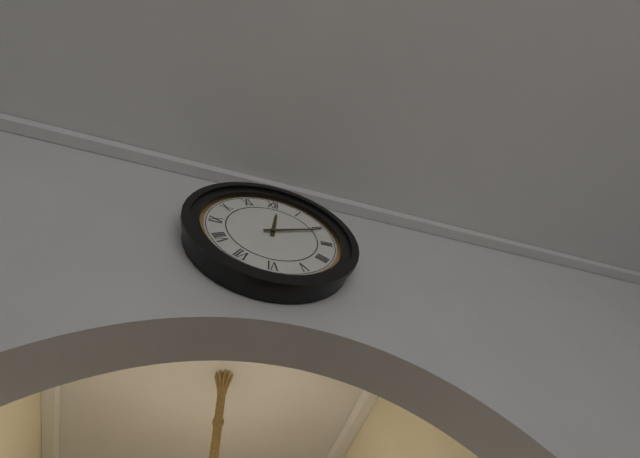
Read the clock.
12:11
